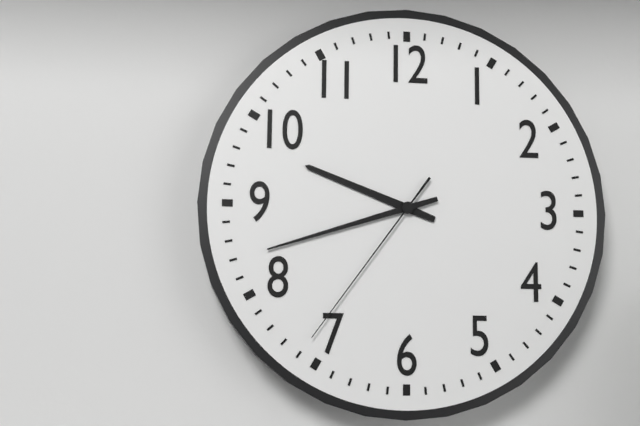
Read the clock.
9:42:36
